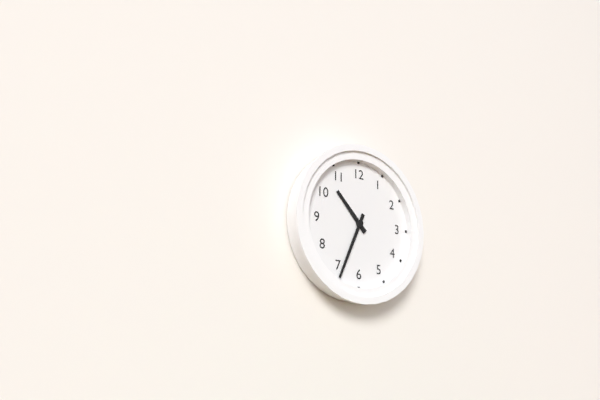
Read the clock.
10:34
